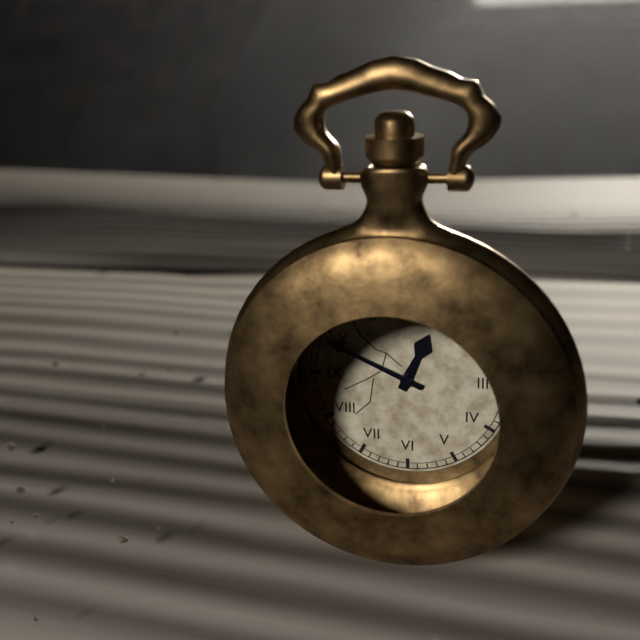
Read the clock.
12:49
